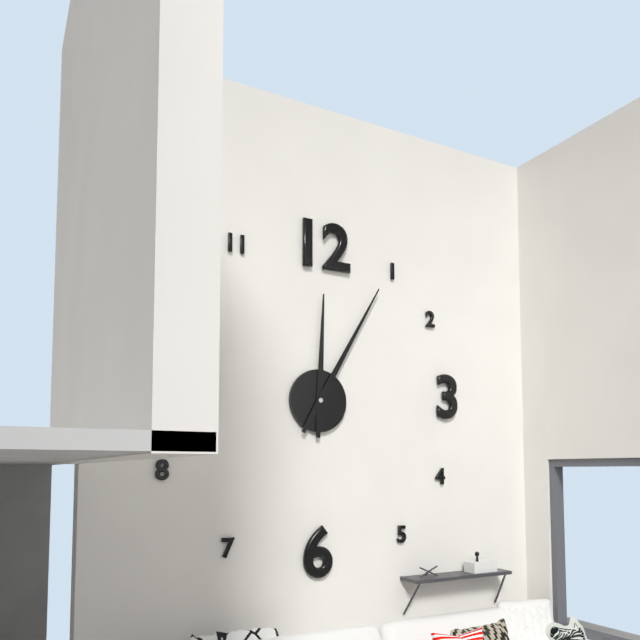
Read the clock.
12:05
